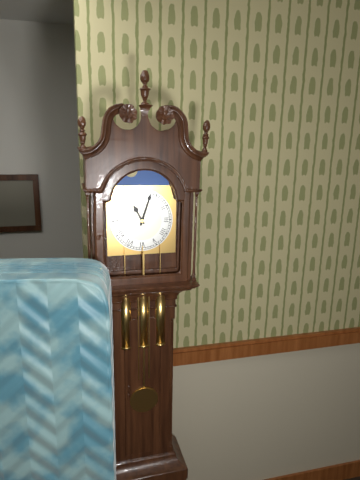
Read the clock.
11:03
